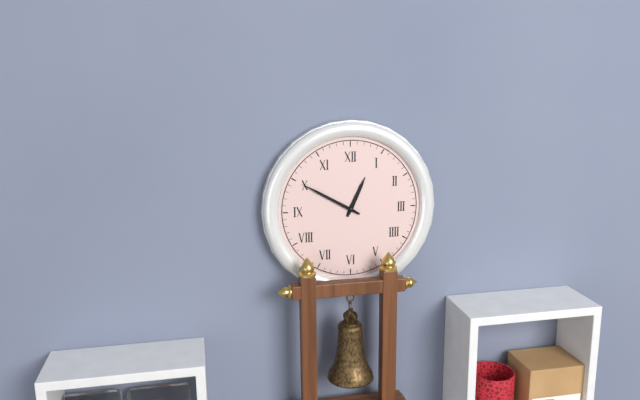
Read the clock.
12:50
